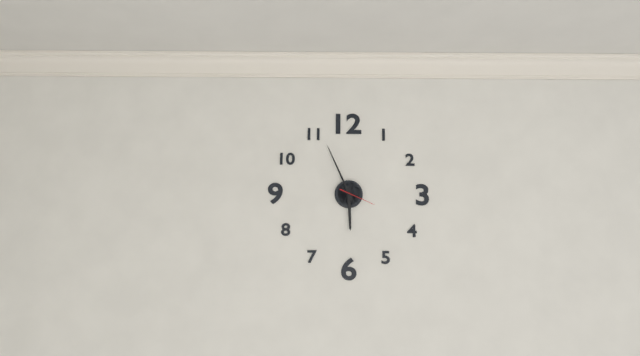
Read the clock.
5:56
